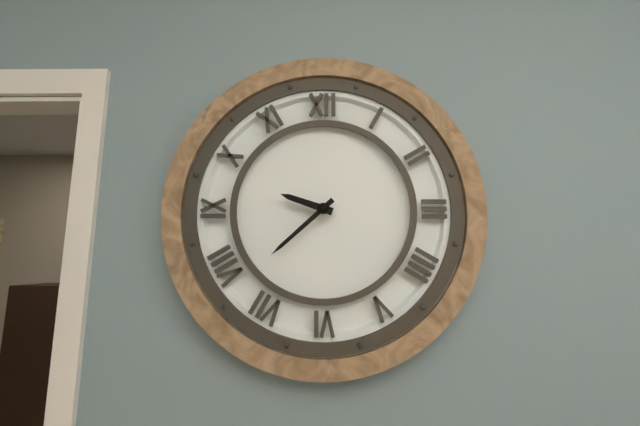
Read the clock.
9:38
